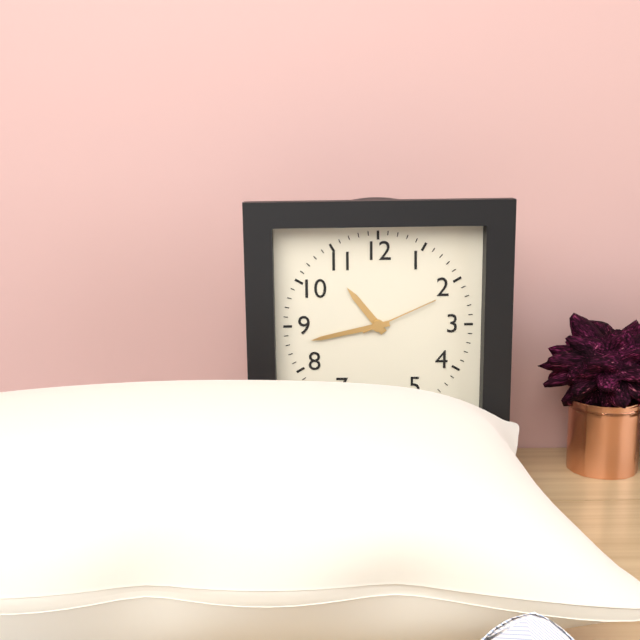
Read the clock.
10:43:11
